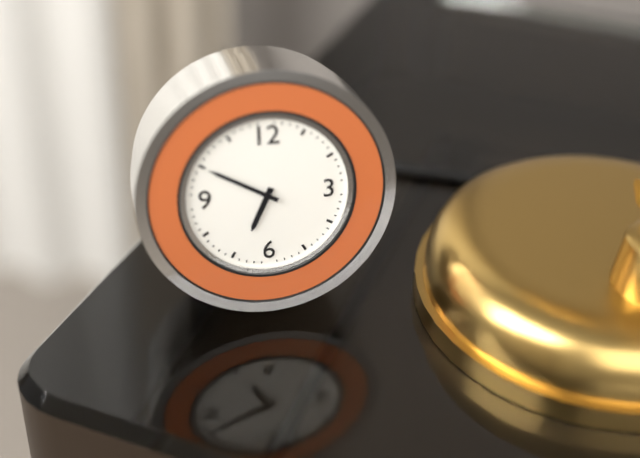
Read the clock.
6:50
